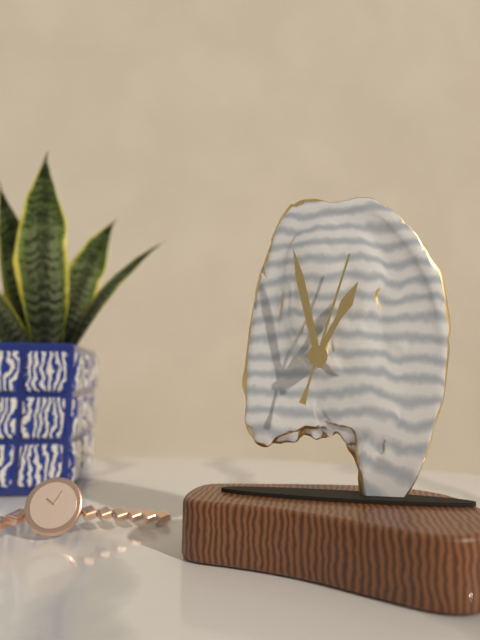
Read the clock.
12:58:03
